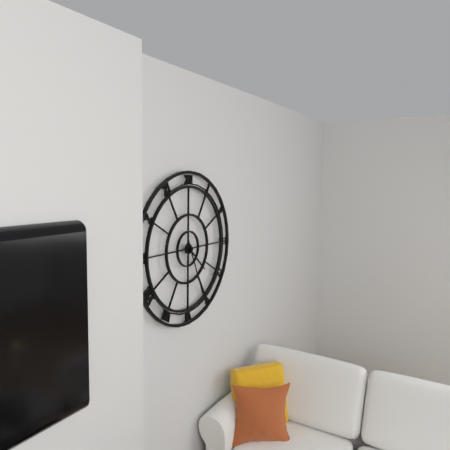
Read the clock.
4:26
